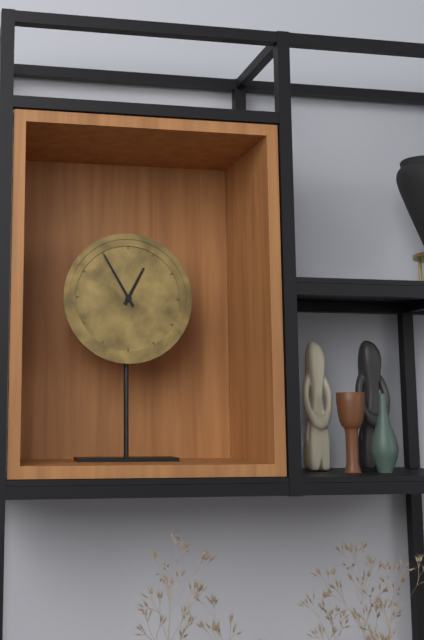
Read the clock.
12:55
